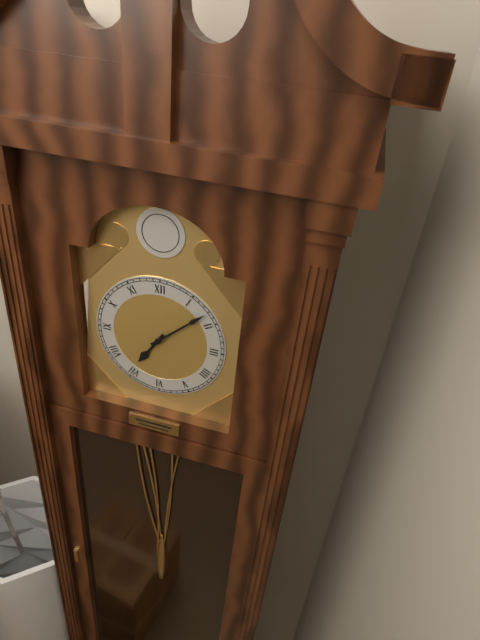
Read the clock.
7:08
